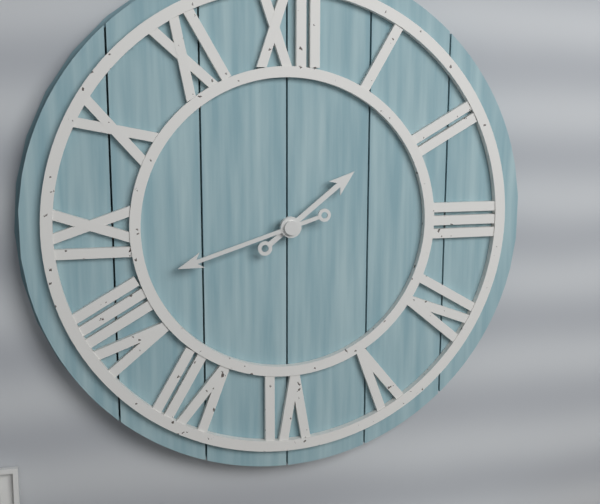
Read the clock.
1:42
